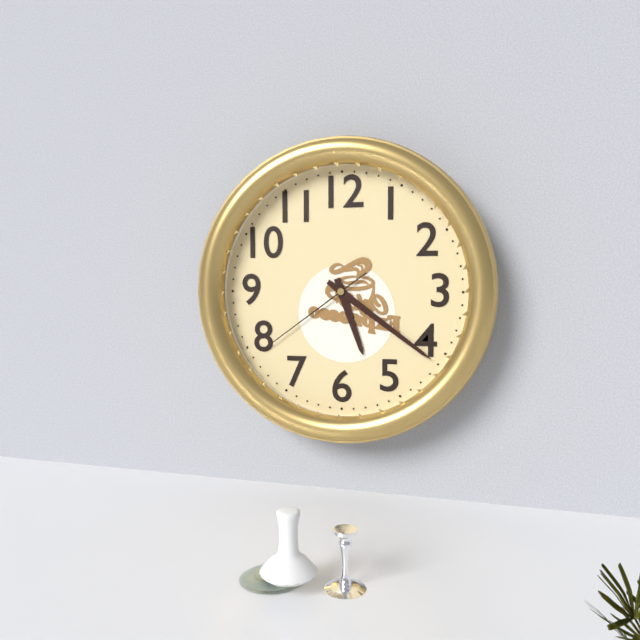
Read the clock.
5:21:39
